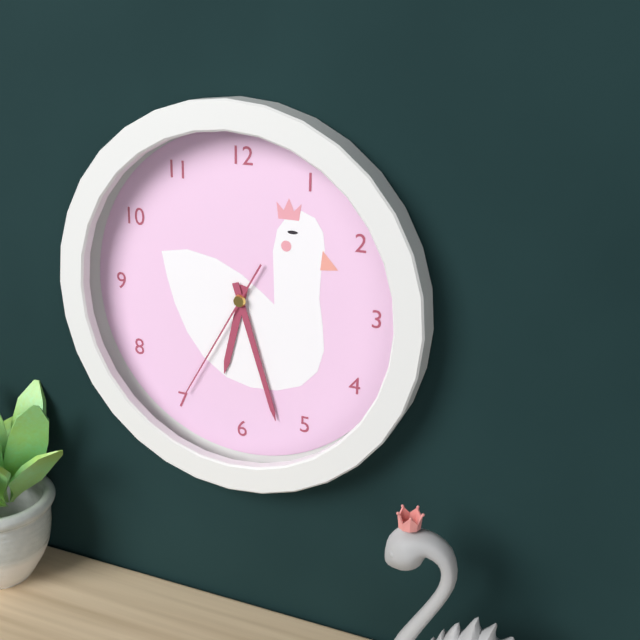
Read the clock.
6:27:35
